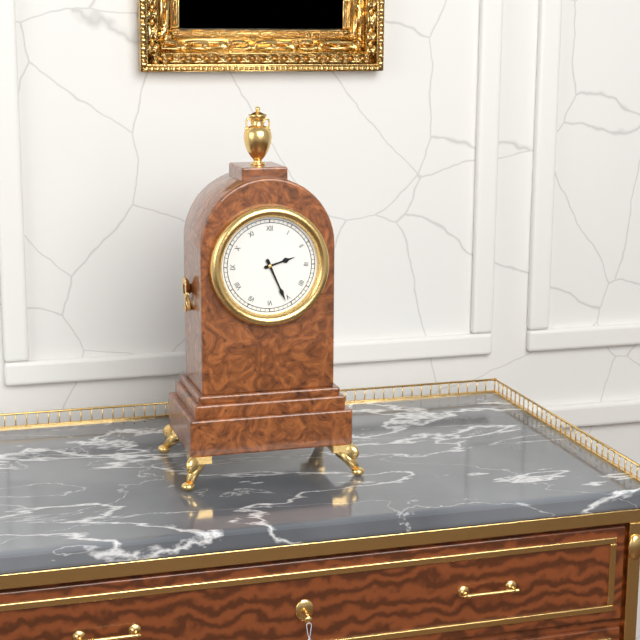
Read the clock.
2:26
